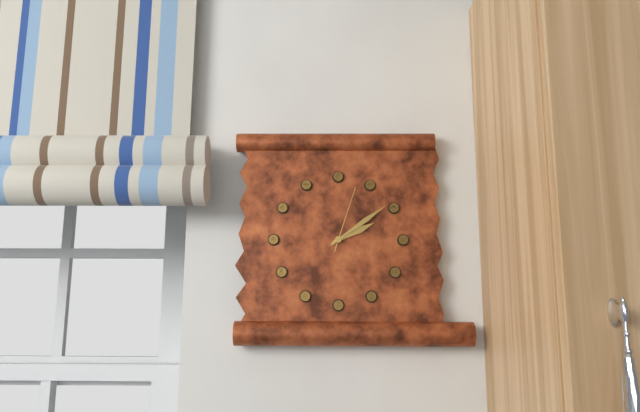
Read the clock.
2:09:03
